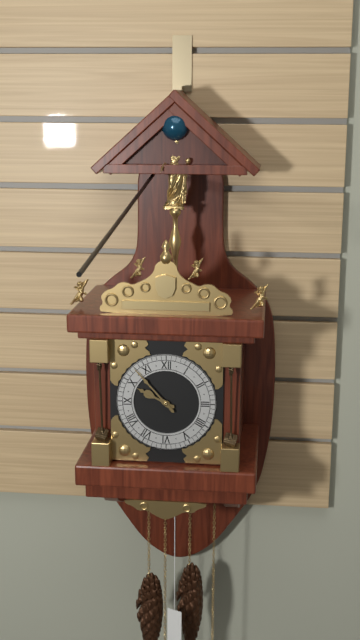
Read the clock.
9:53
